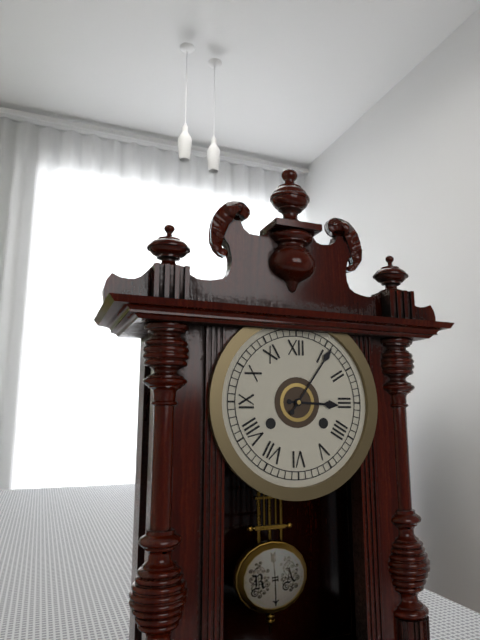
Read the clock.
3:06
